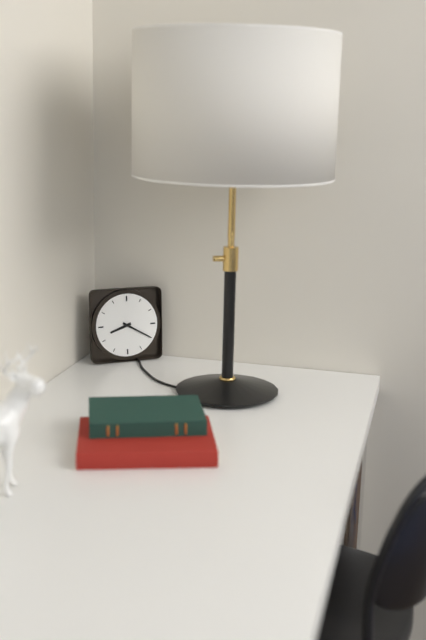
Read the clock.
8:20
